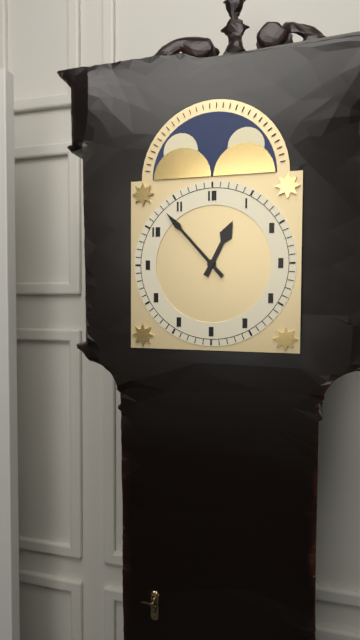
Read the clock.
12:53
